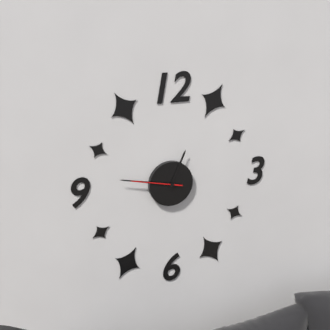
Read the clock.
12:47:47
